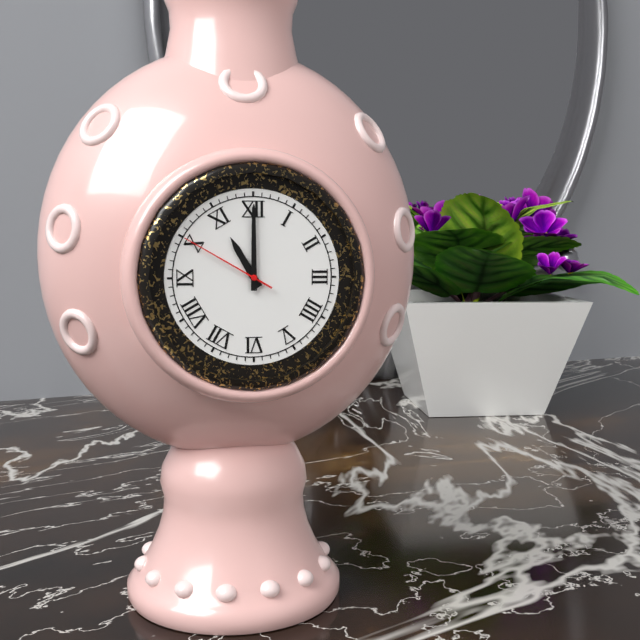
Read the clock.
11:00:50
